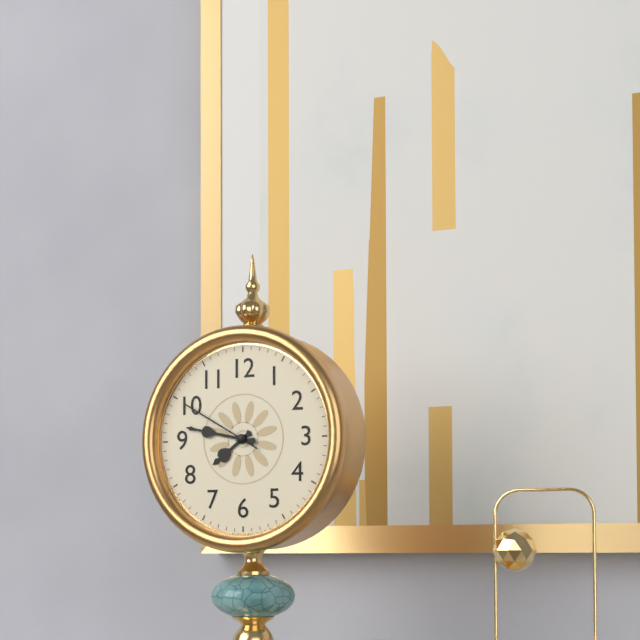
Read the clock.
7:47:50
